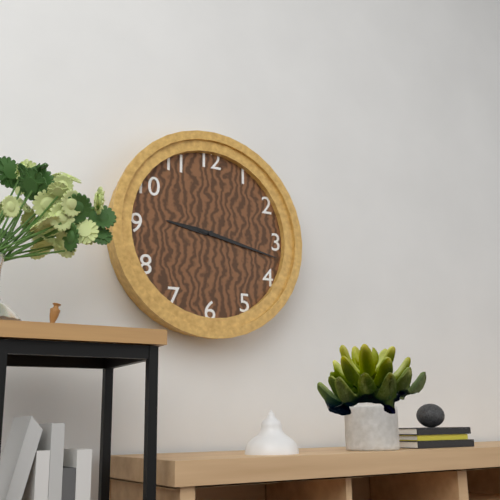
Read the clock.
9:17
